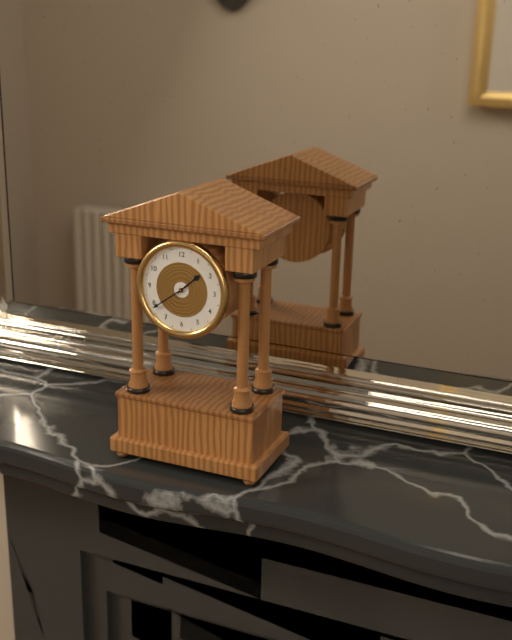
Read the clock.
1:39
